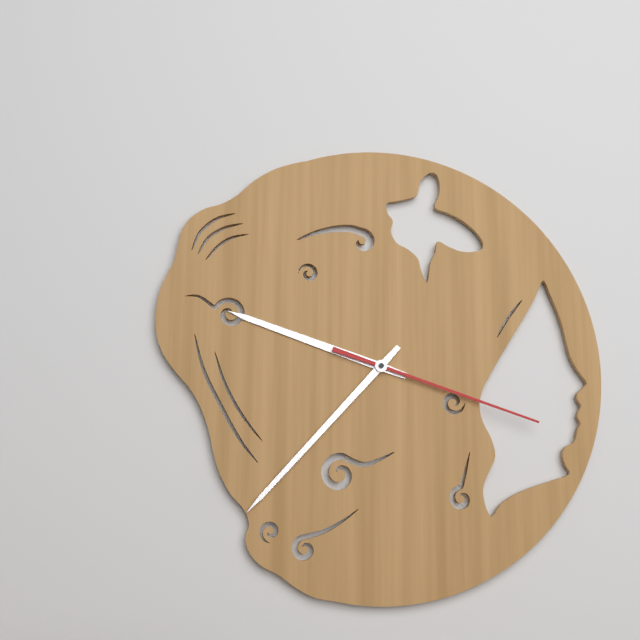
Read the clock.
9:37:18
